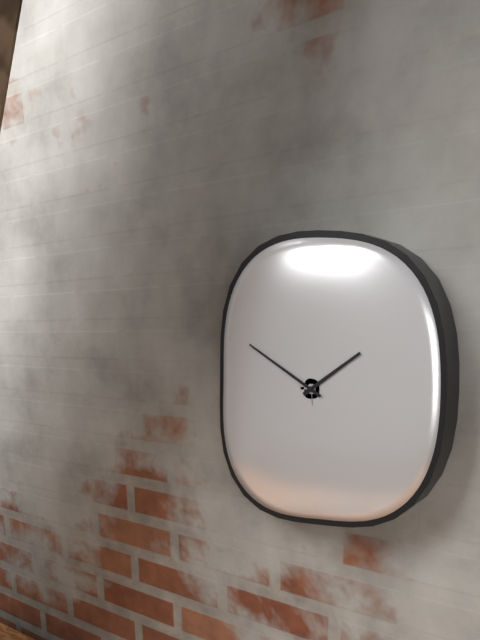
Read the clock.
1:50
